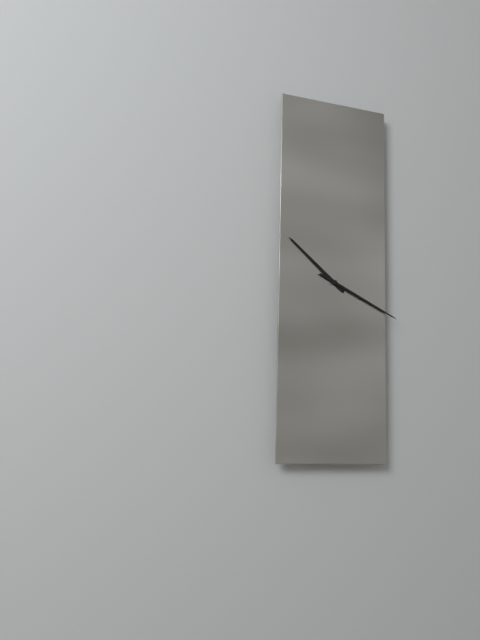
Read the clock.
10:19
